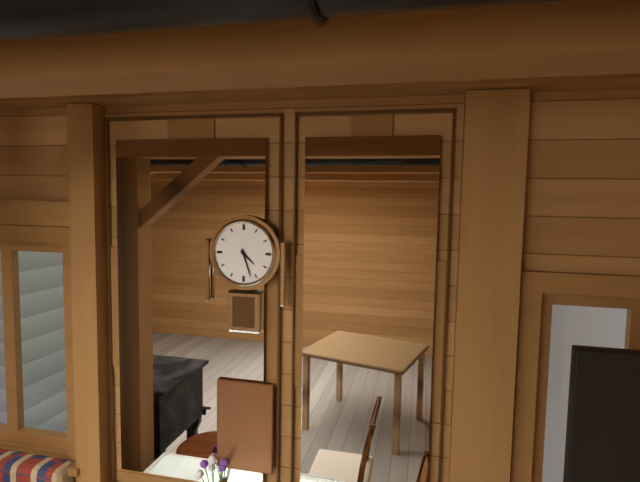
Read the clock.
4:27
